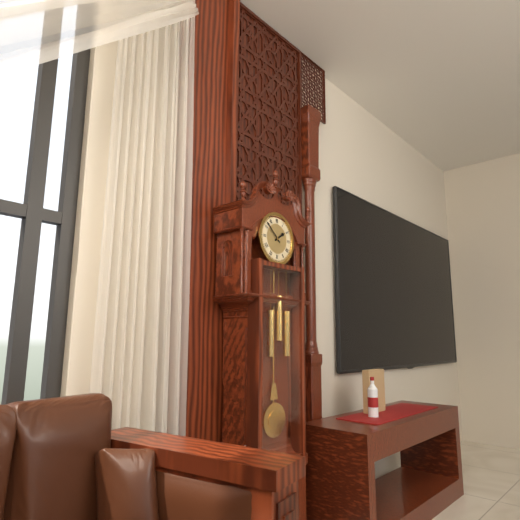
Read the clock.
1:52
